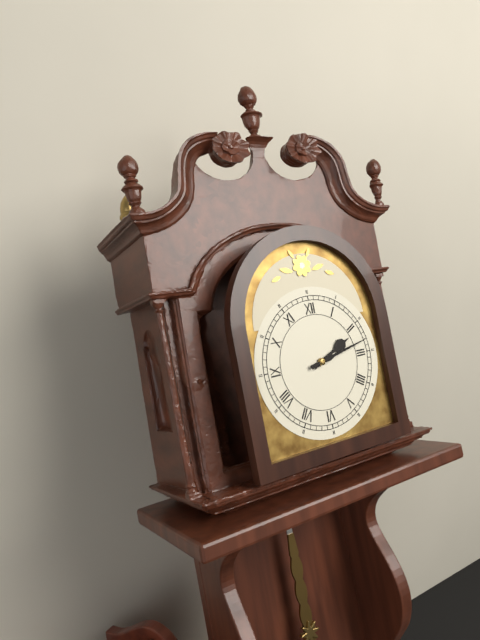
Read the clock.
2:13
